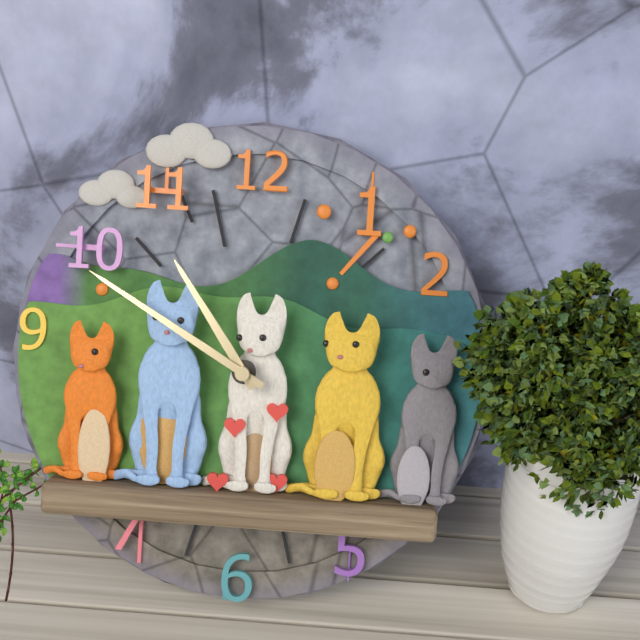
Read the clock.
10:50
